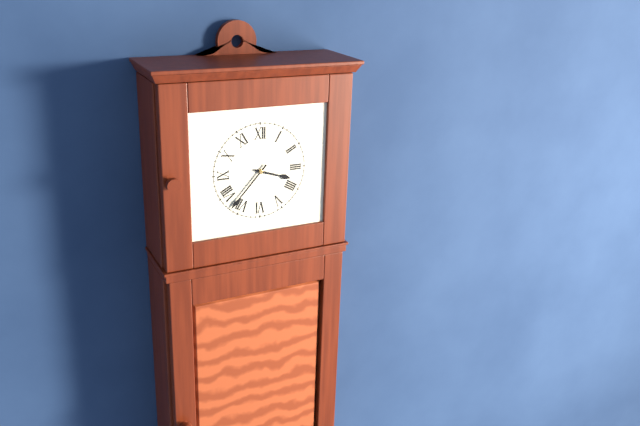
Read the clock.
3:37
